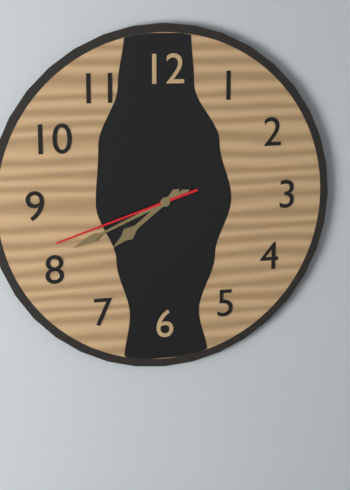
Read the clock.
7:41:42
